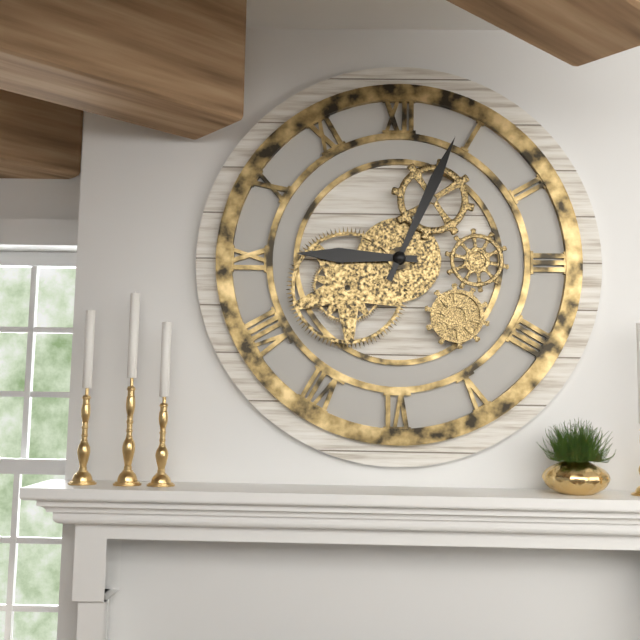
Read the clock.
9:04
